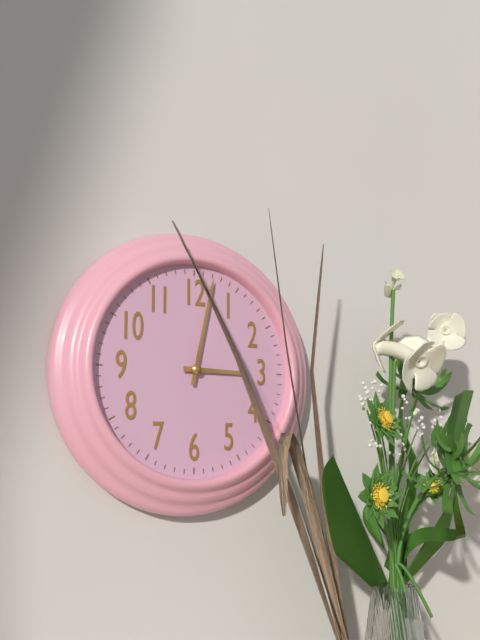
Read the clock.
3:02
